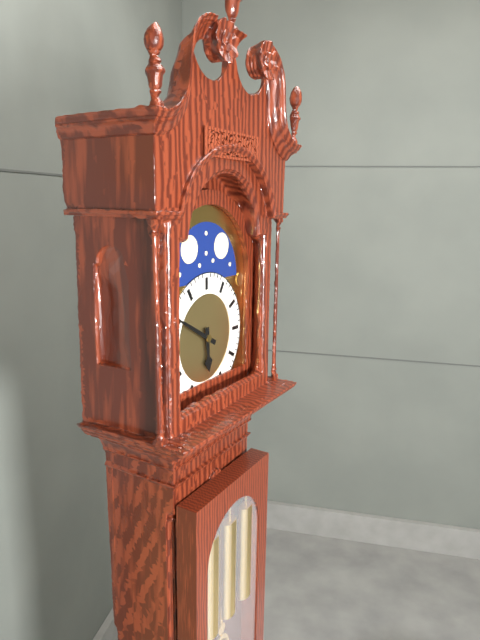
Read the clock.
5:50
